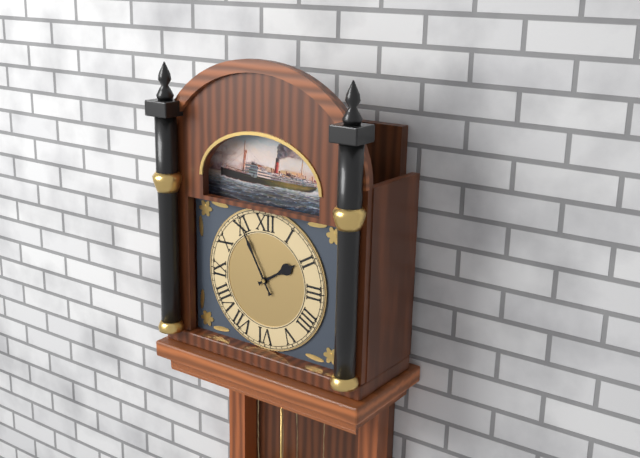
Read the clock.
1:55
